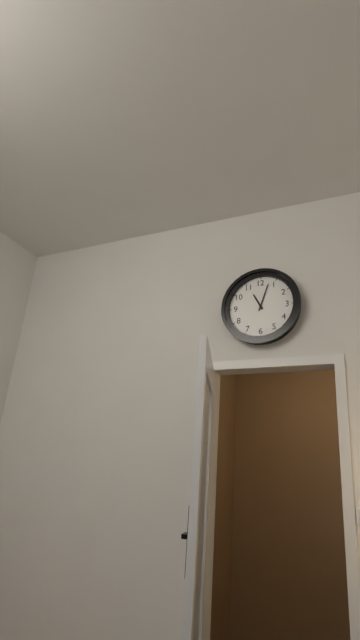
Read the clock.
11:03
